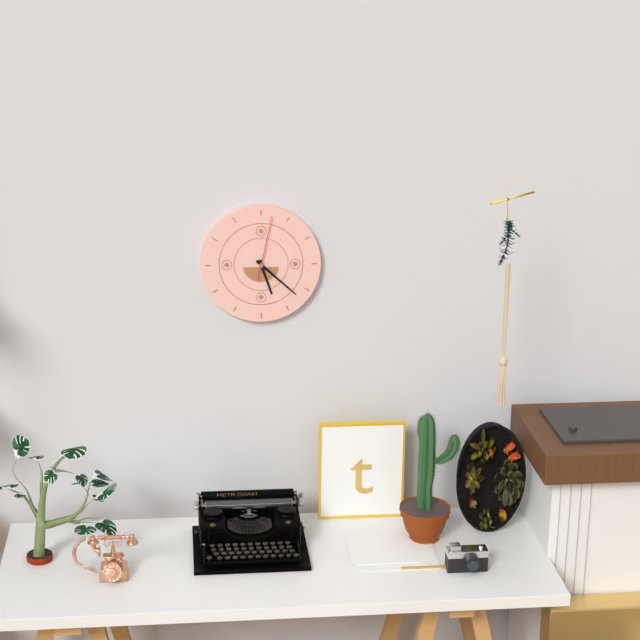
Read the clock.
5:22:02
